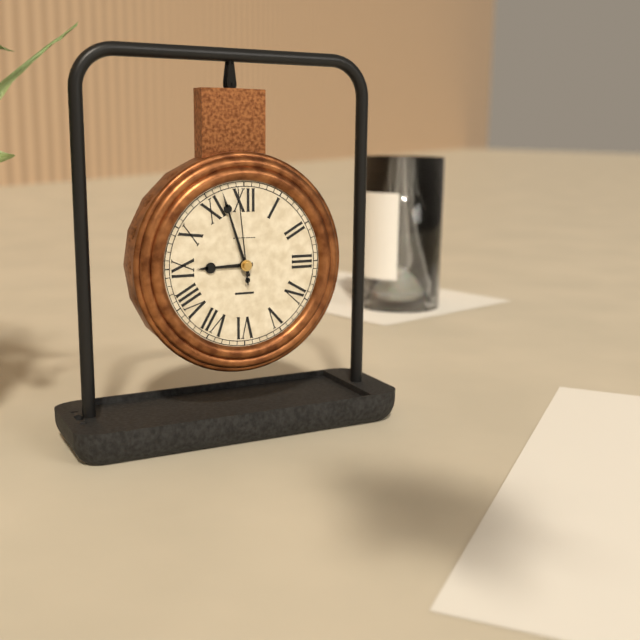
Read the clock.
8:57:59
